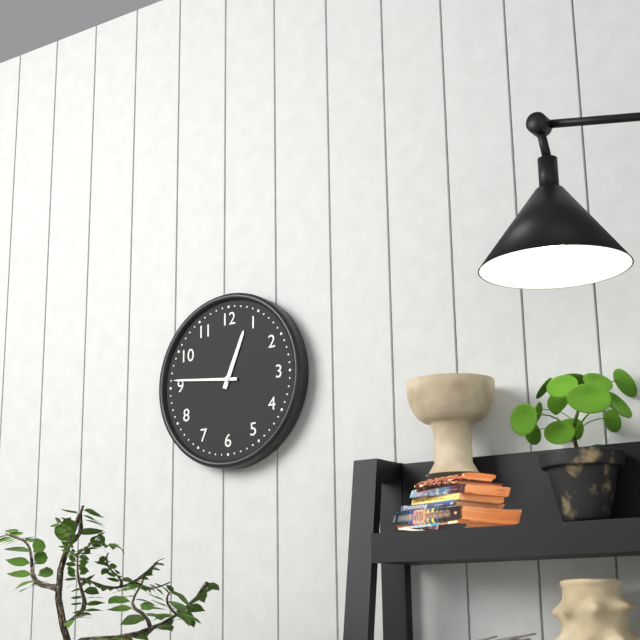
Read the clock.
12:46
